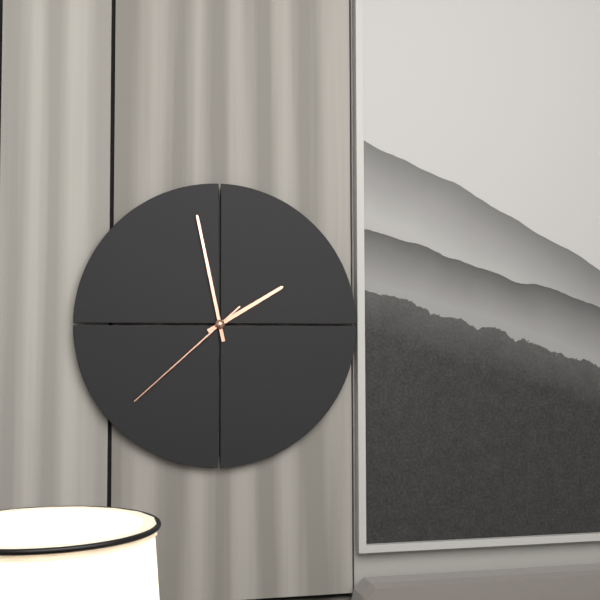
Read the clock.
1:58:38
